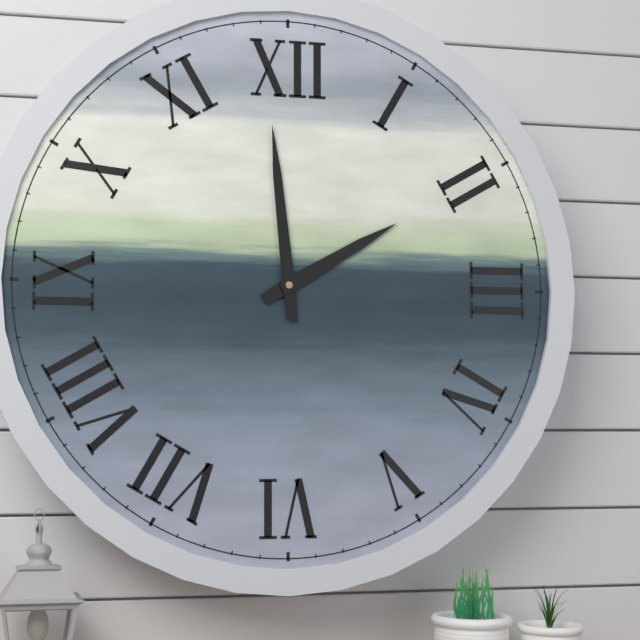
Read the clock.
1:59
